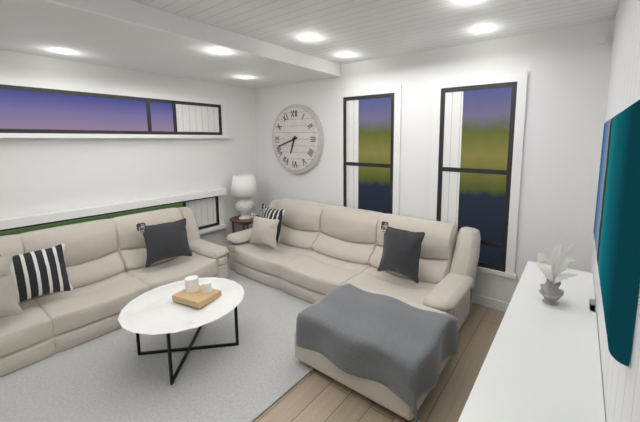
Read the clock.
6:42
